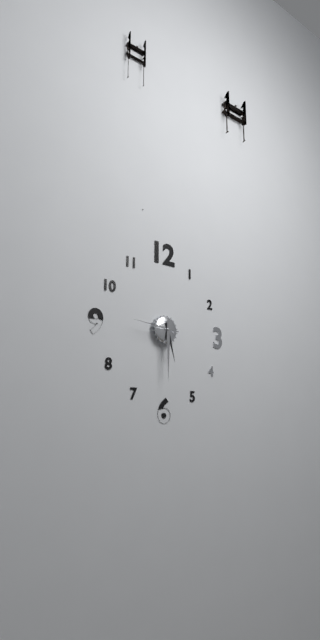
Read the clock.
5:30
